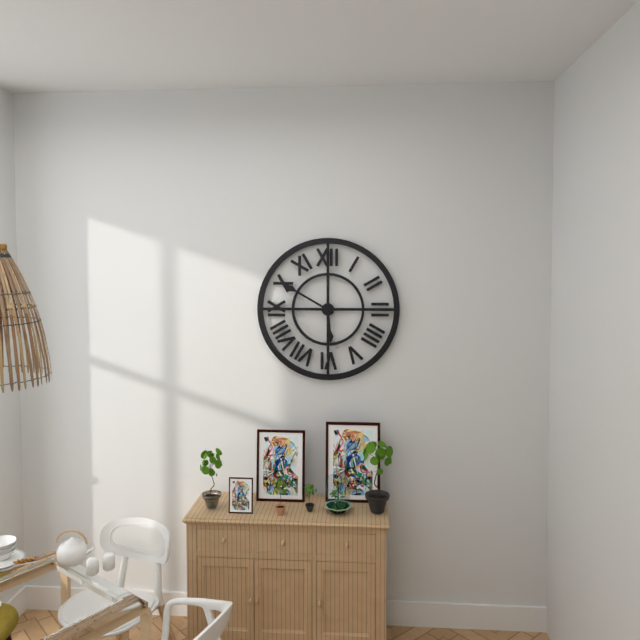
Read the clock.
5:50
